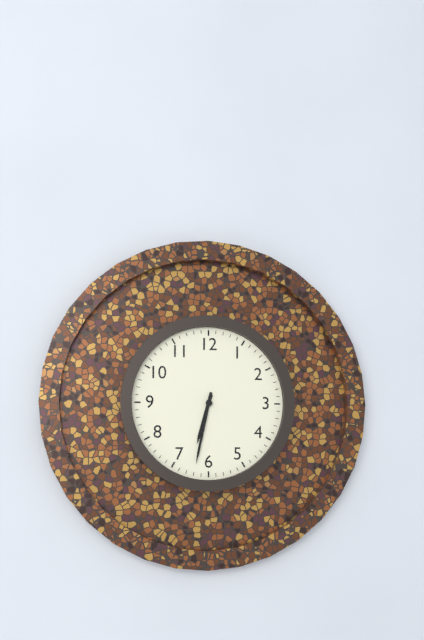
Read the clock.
6:32
